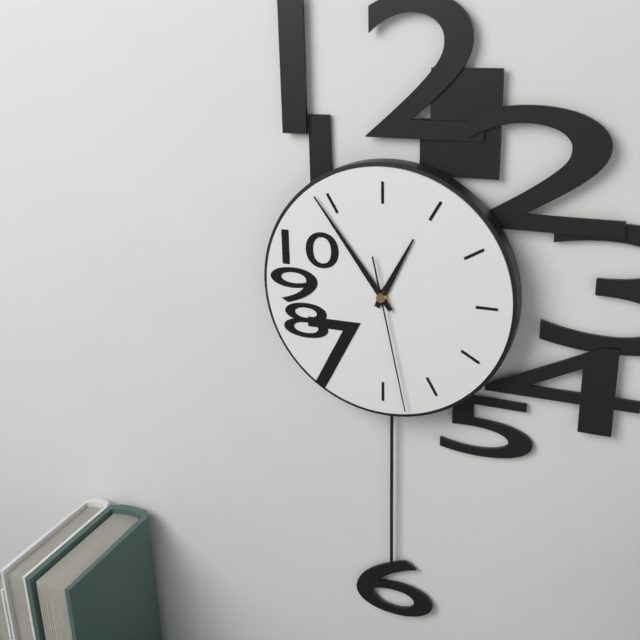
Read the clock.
12:54:28
